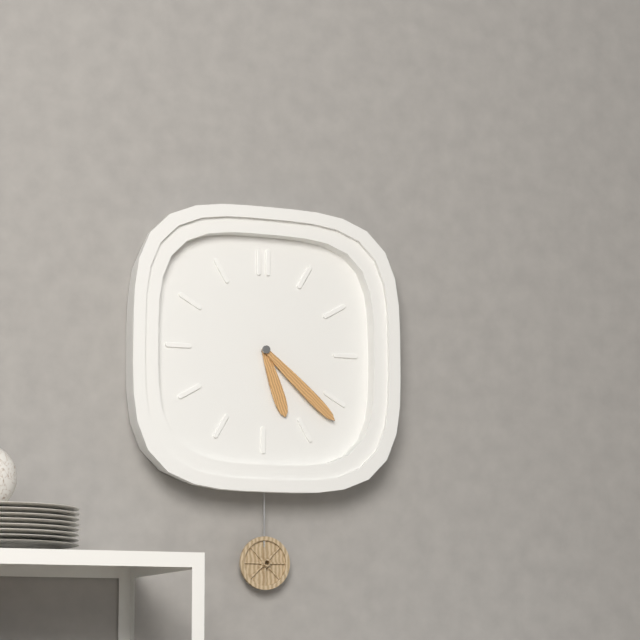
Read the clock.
5:22
